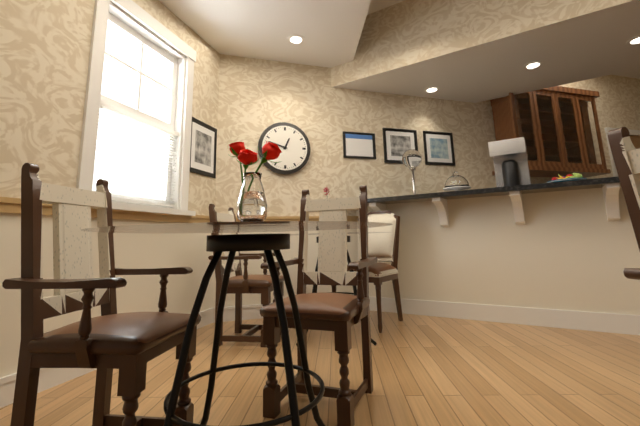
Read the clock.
12:48
